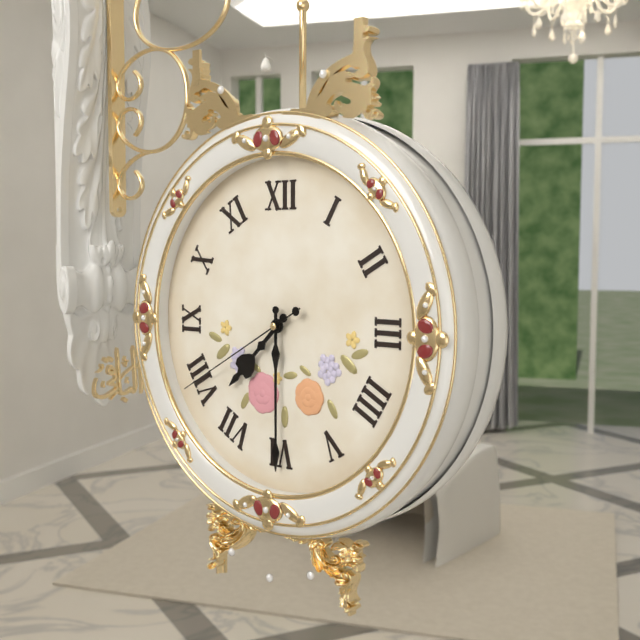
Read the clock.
7:30:40
